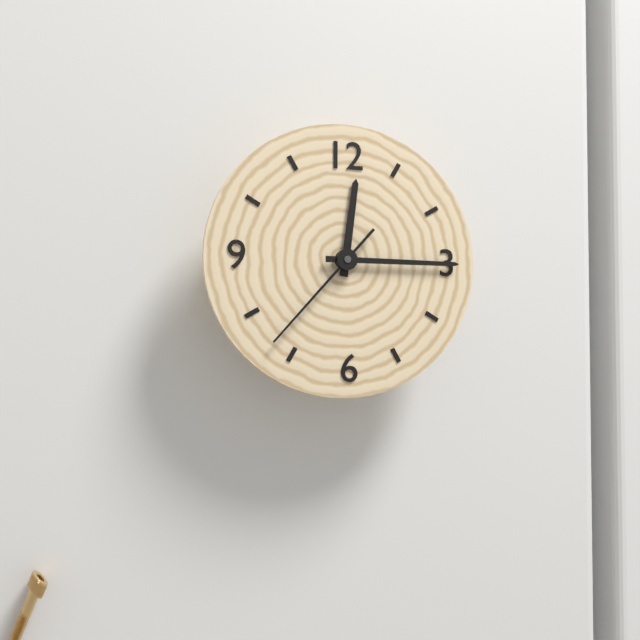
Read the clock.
12:15:37
